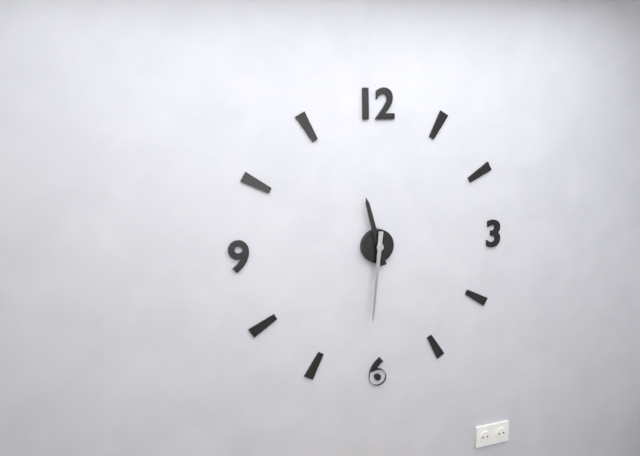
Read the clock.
11:31
